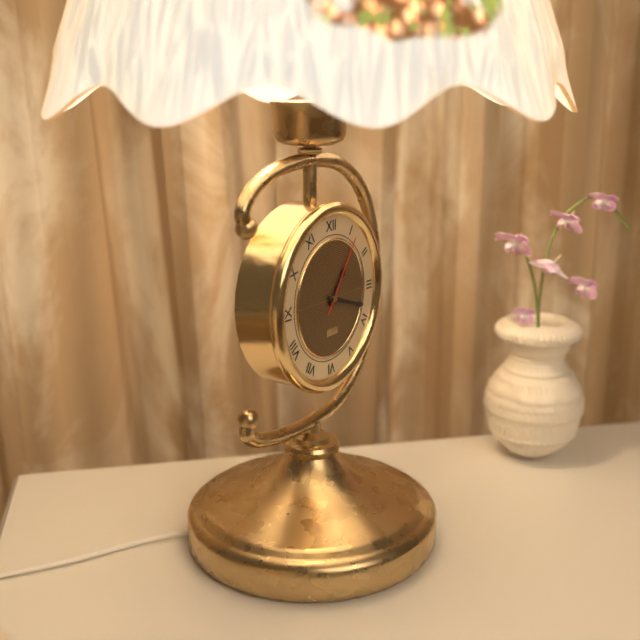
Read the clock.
1:18:06
